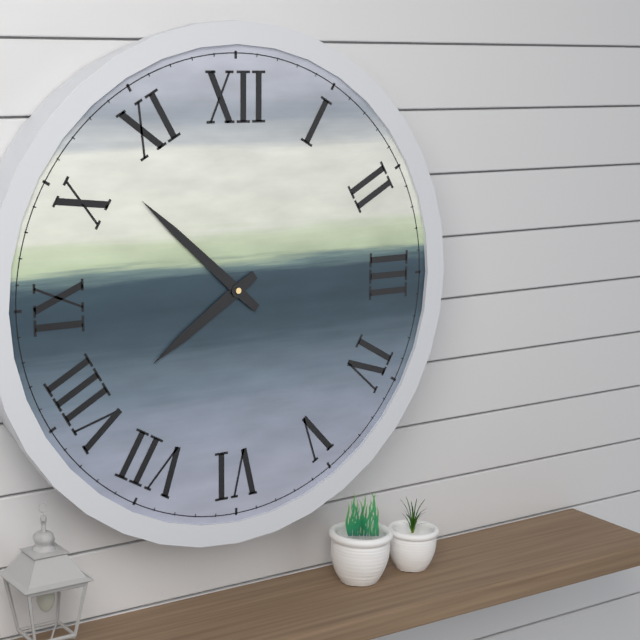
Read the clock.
7:52
